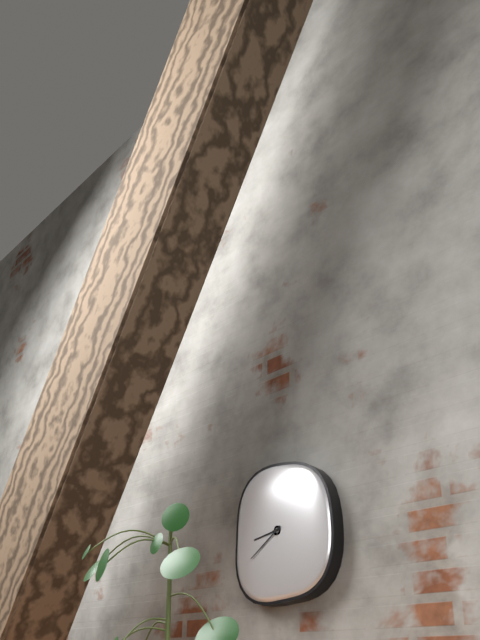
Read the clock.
8:39
